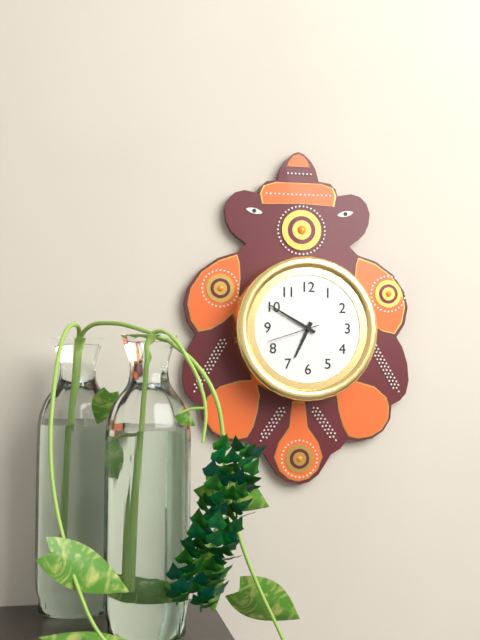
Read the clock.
6:50:42
